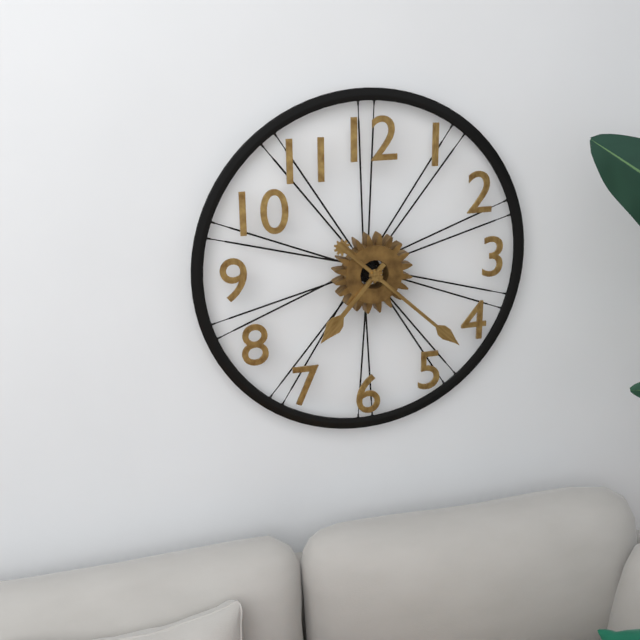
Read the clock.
7:22
